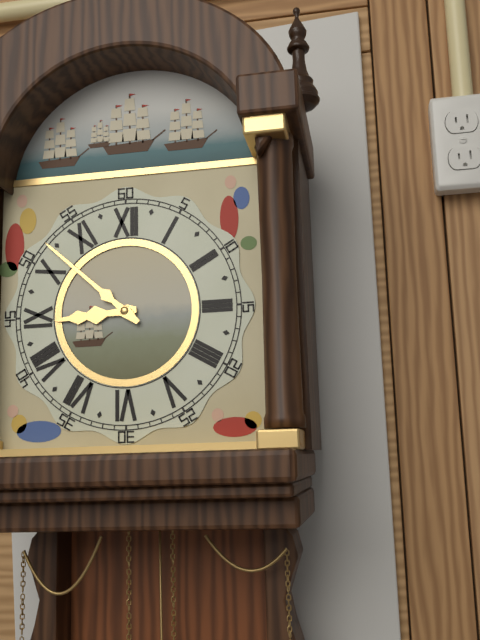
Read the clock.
8:52
